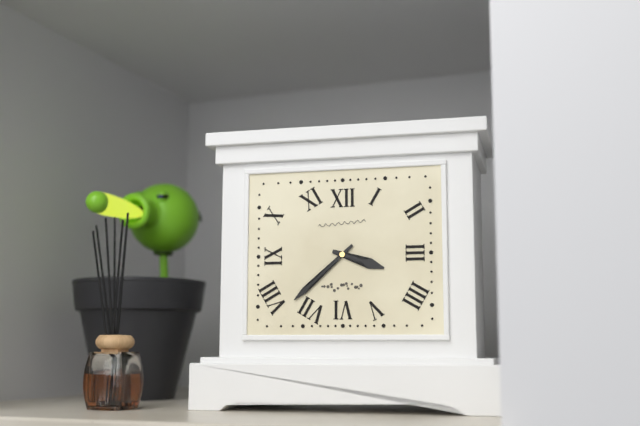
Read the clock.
3:38
